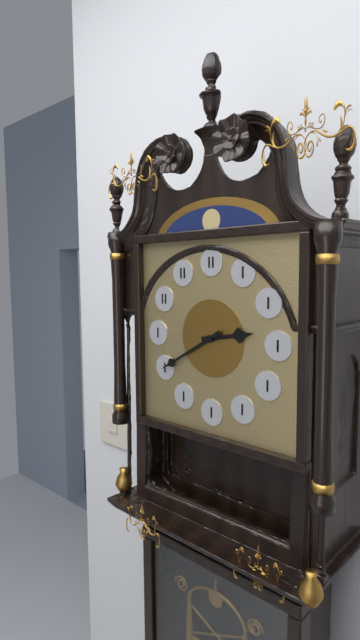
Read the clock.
2:40
